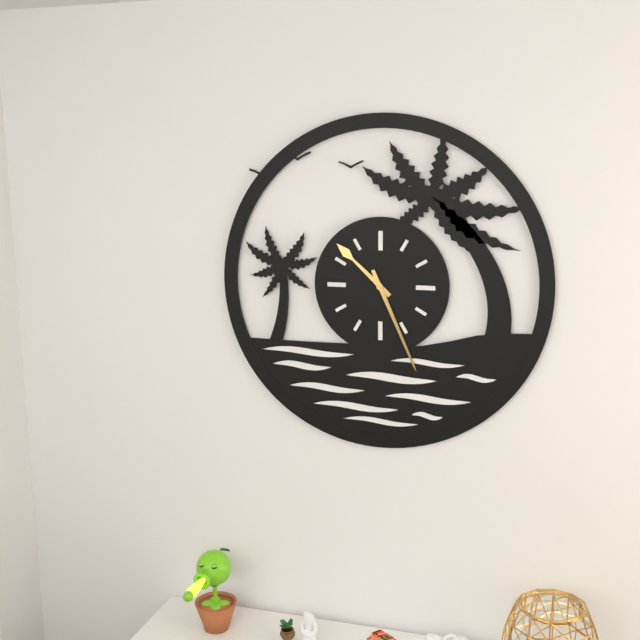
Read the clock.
10:26
